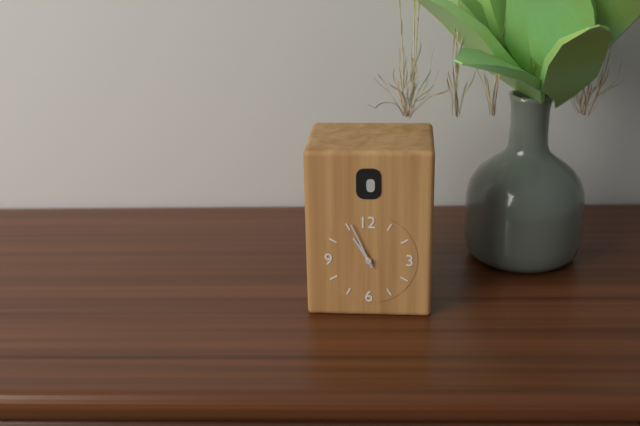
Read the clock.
10:56
